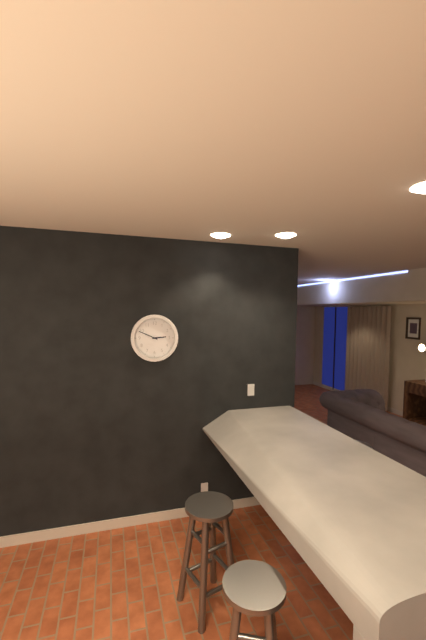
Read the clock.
2:49
